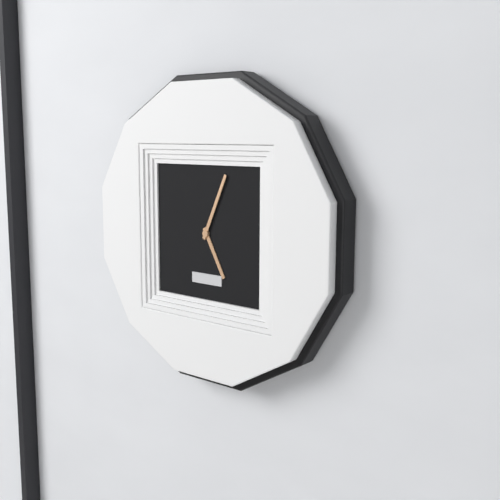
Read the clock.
5:04
